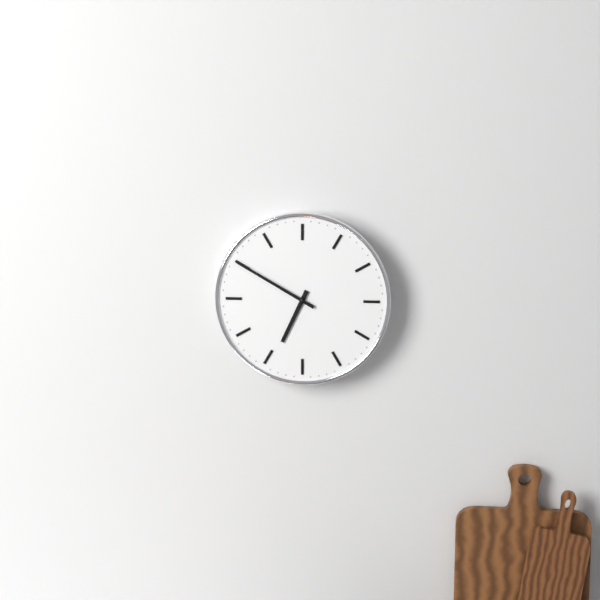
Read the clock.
6:50
